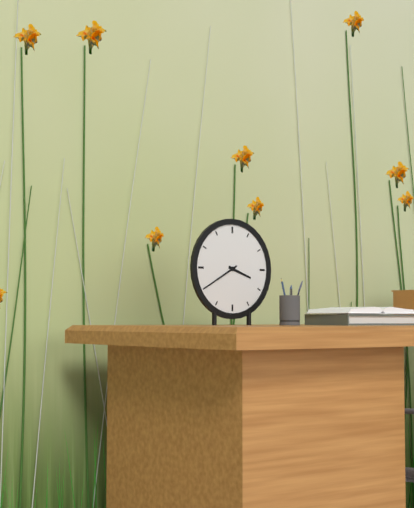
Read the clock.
3:40
